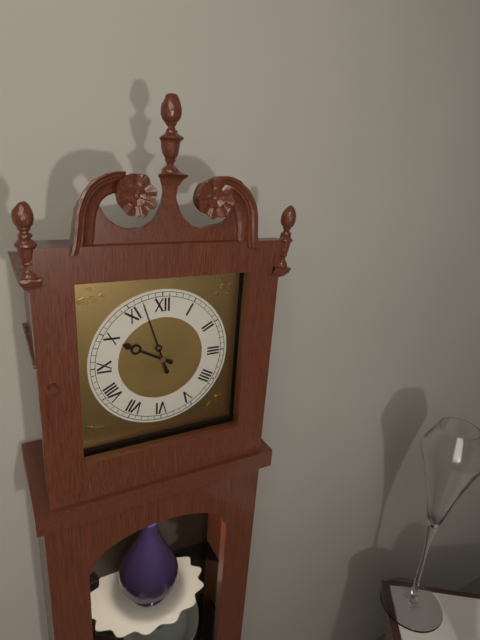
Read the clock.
9:57
